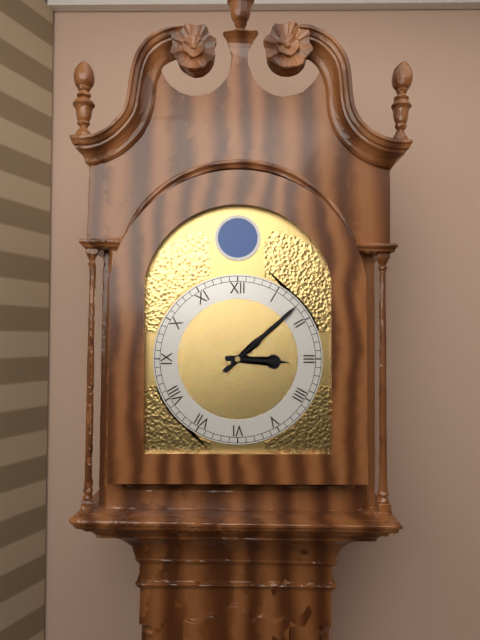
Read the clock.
3:08
